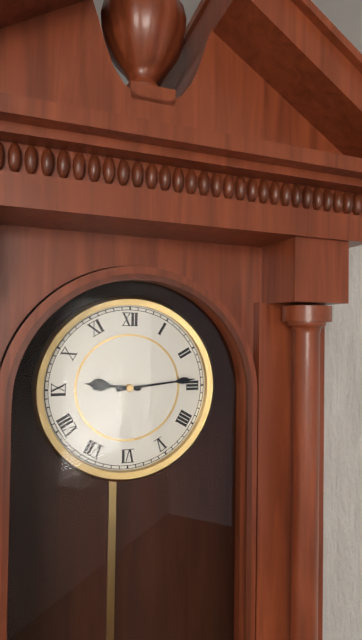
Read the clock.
9:14
